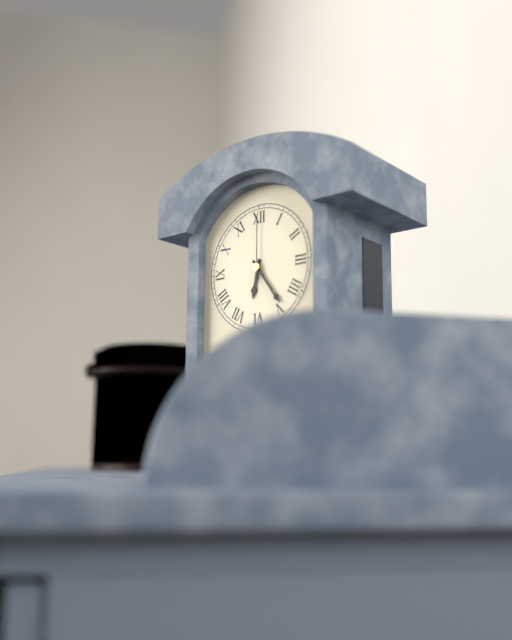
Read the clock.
6:24:00
